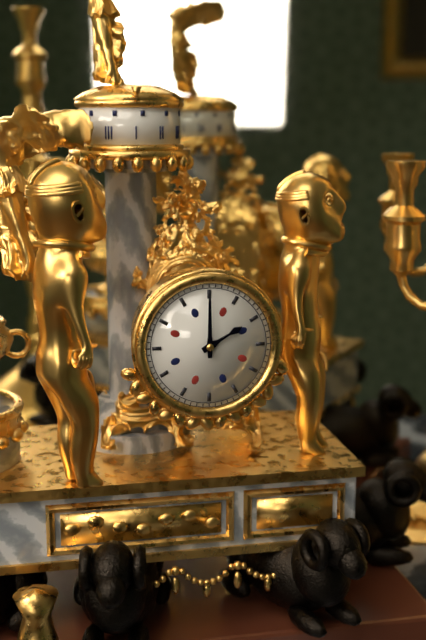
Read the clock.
2:00
